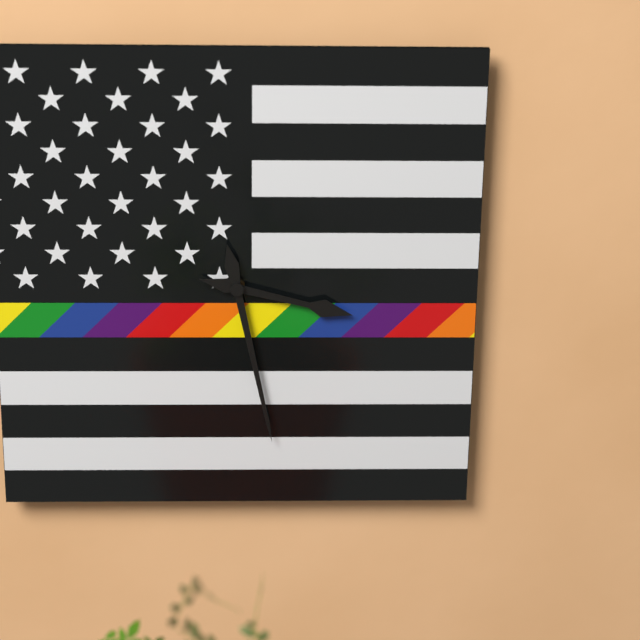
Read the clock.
3:28
